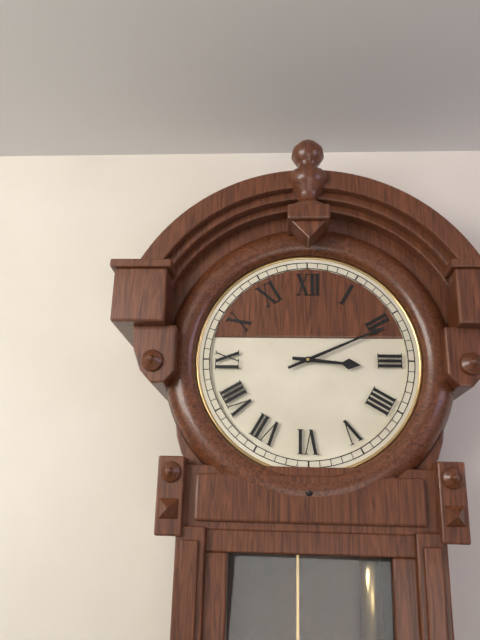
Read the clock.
3:11
